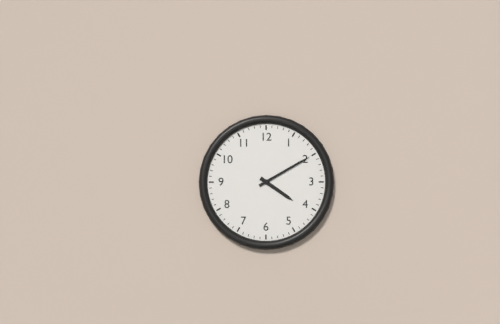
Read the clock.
4:10
